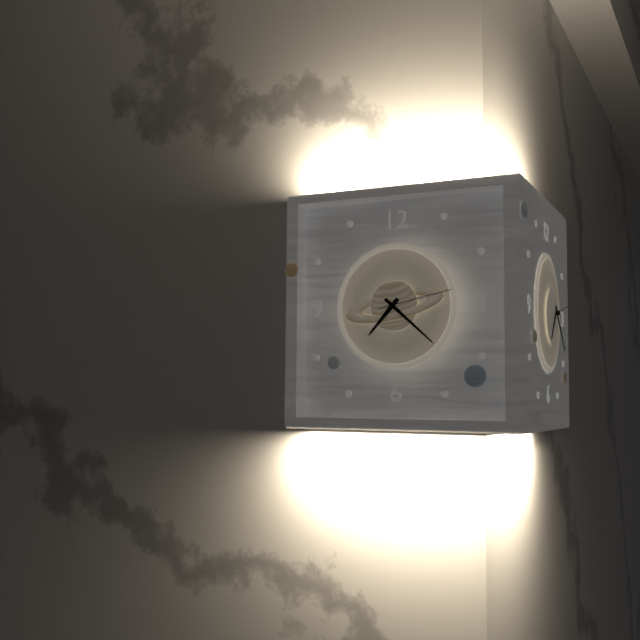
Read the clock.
7:22:13
